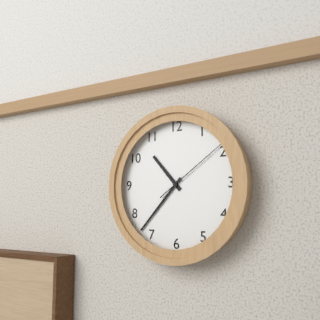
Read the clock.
10:37:09
